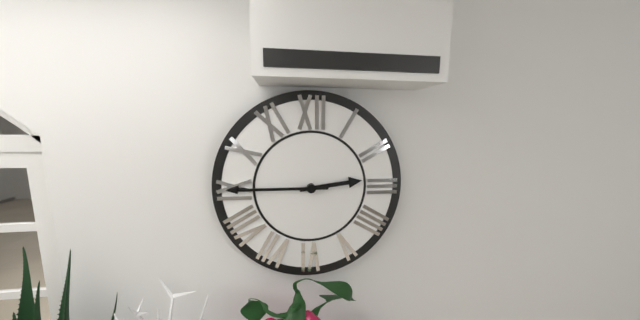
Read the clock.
2:45
